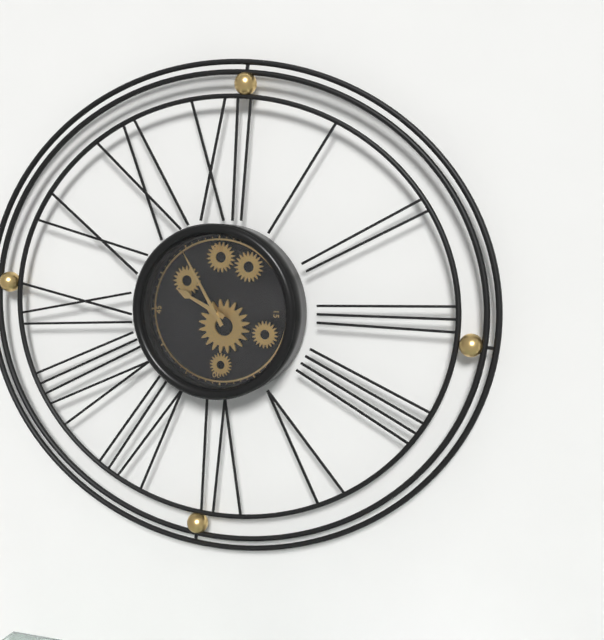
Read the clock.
9:55
